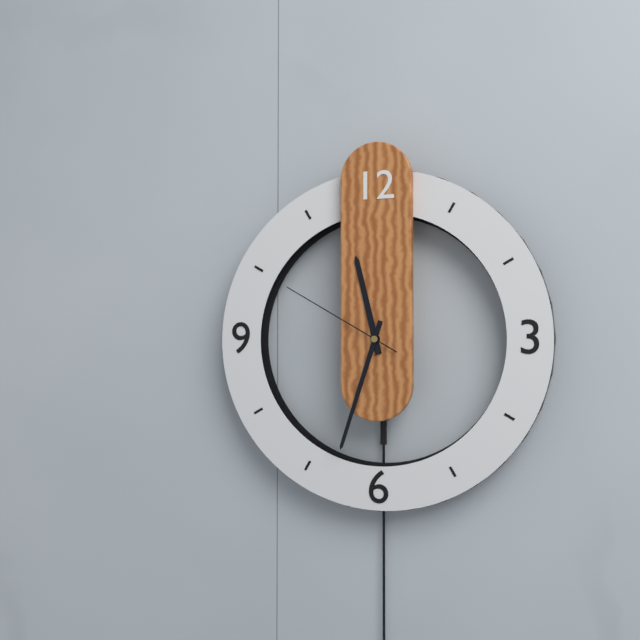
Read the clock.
11:33:50
